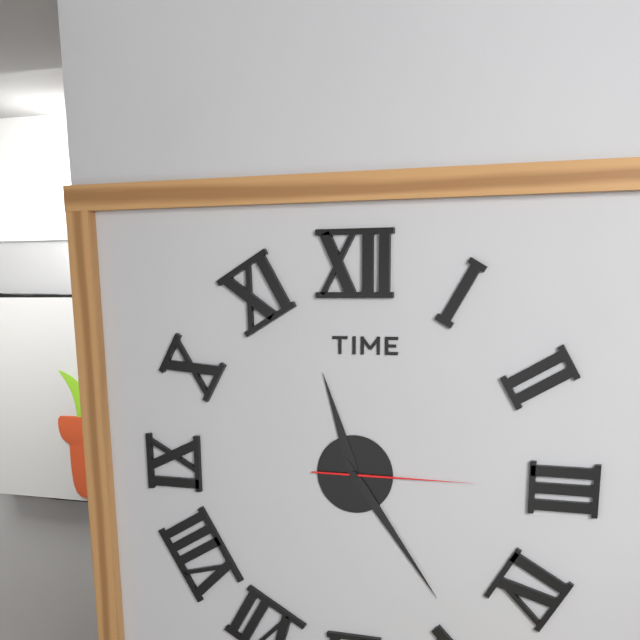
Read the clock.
11:24:15
